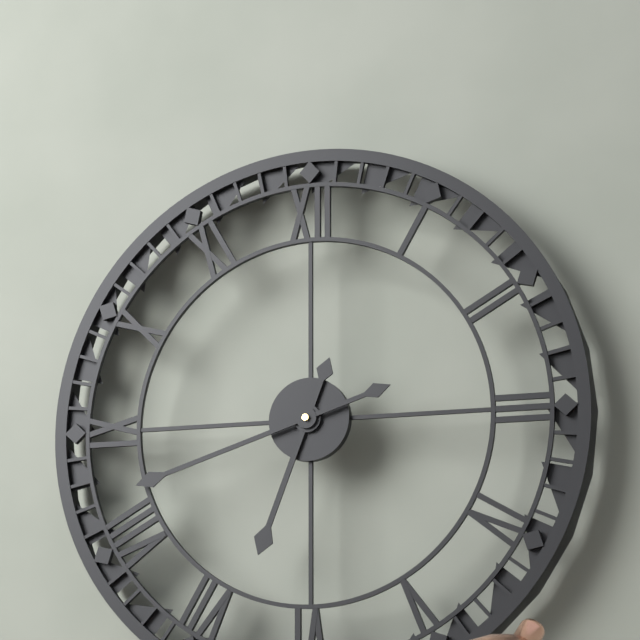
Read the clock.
6:42
